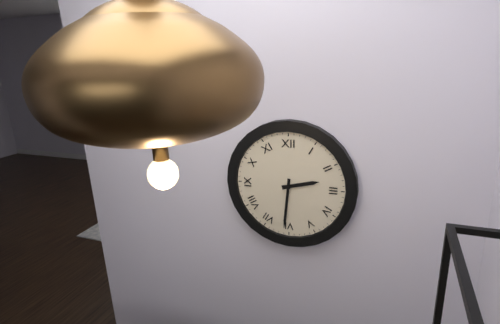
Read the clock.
2:31
